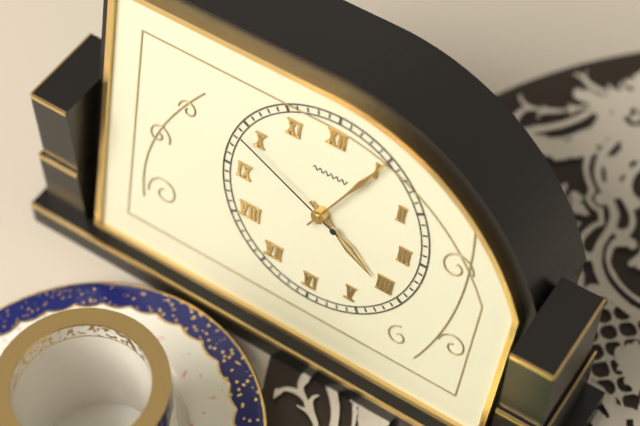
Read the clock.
4:05:49
